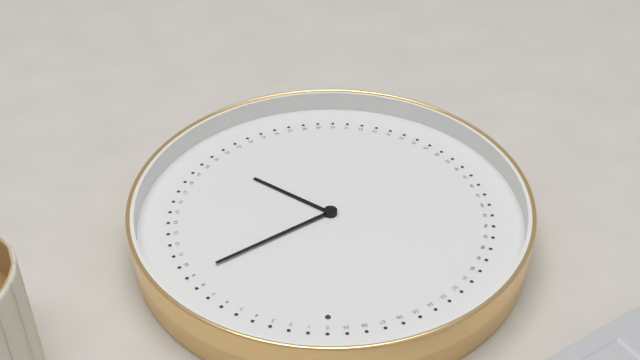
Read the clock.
4:09
